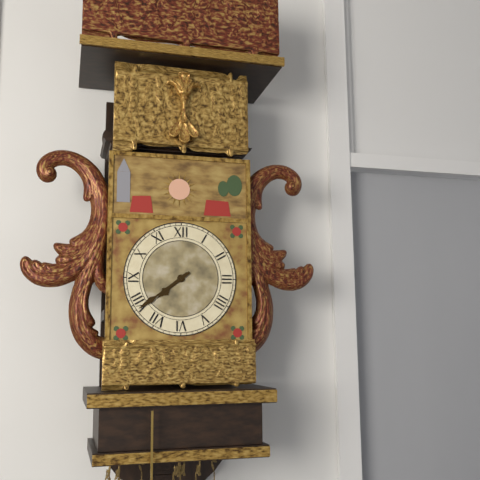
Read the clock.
7:39
